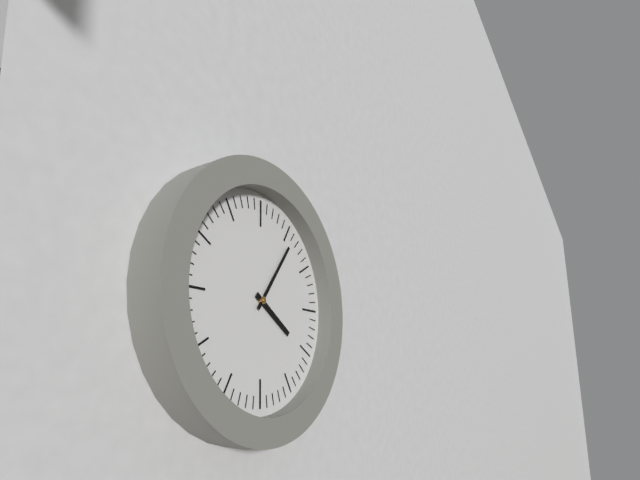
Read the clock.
4:06
